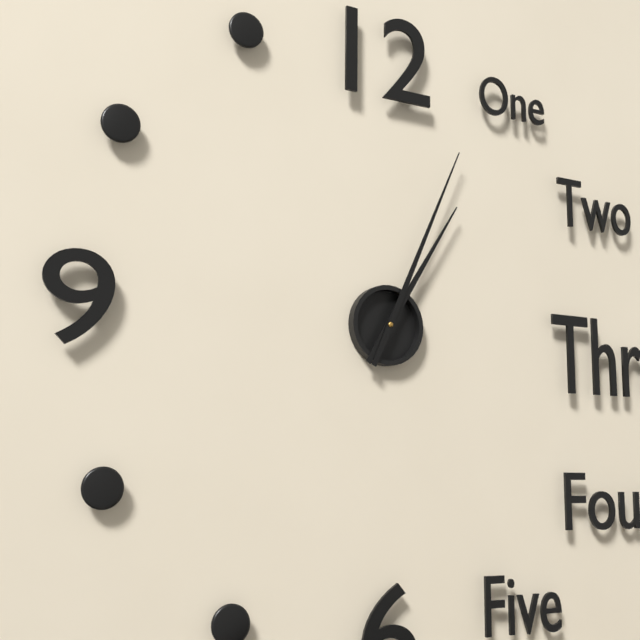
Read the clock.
1:04
